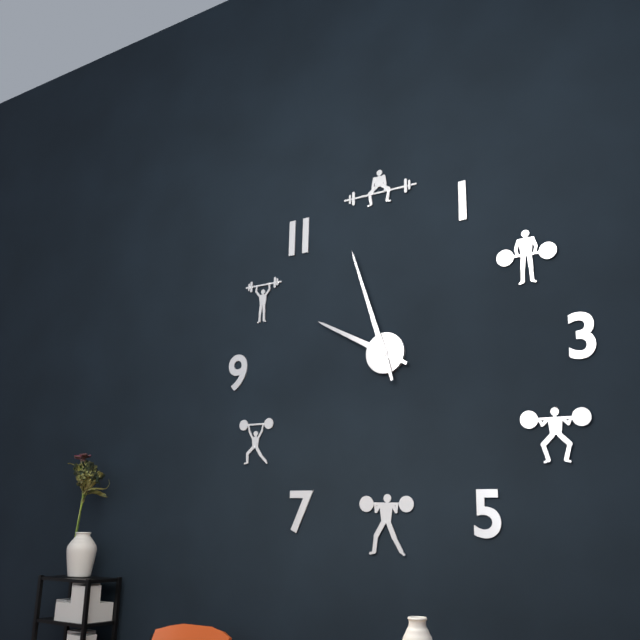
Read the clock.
9:57
